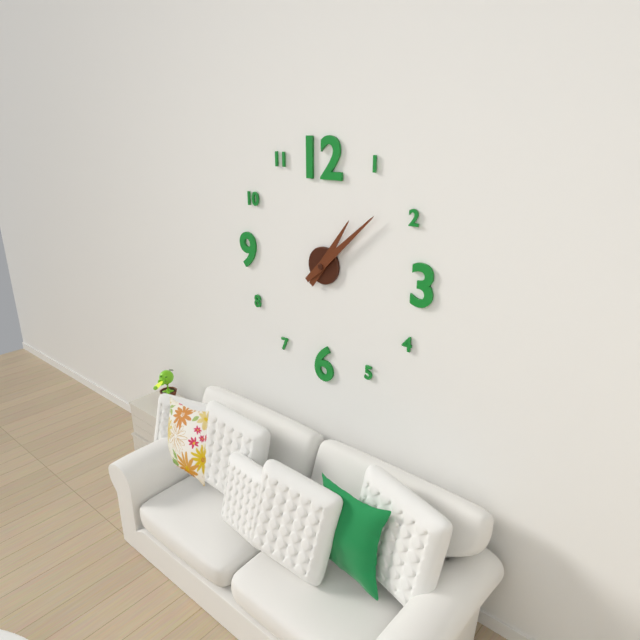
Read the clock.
1:08
